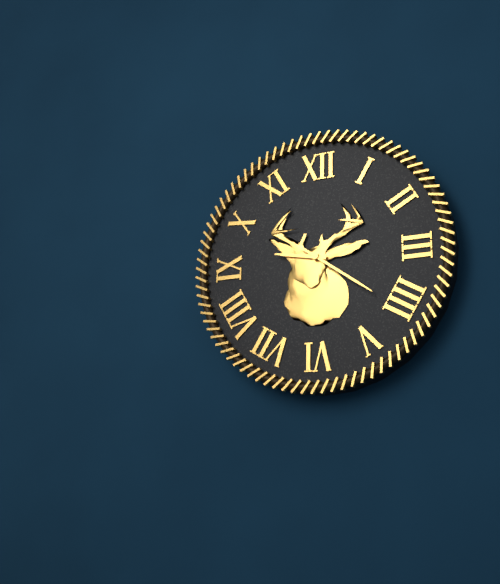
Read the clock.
9:21
